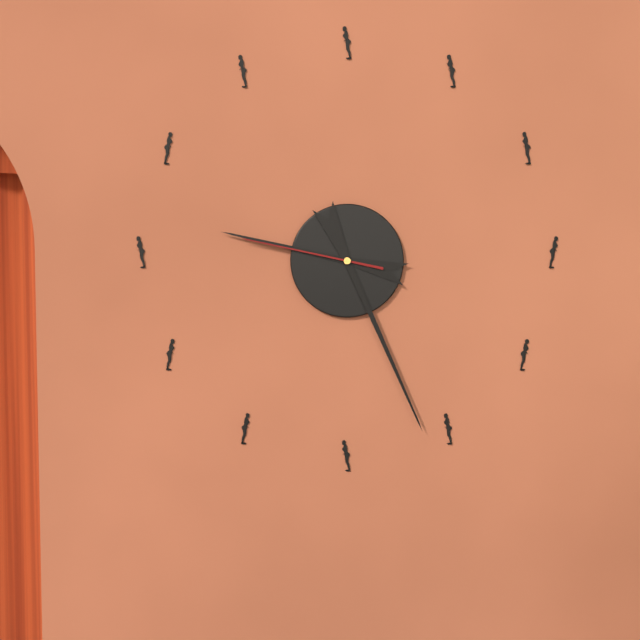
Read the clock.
9:26:47
